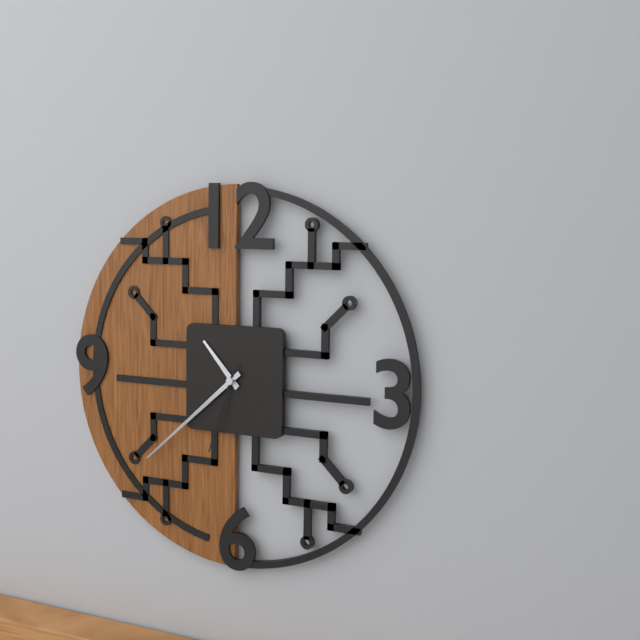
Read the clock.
10:38:33
